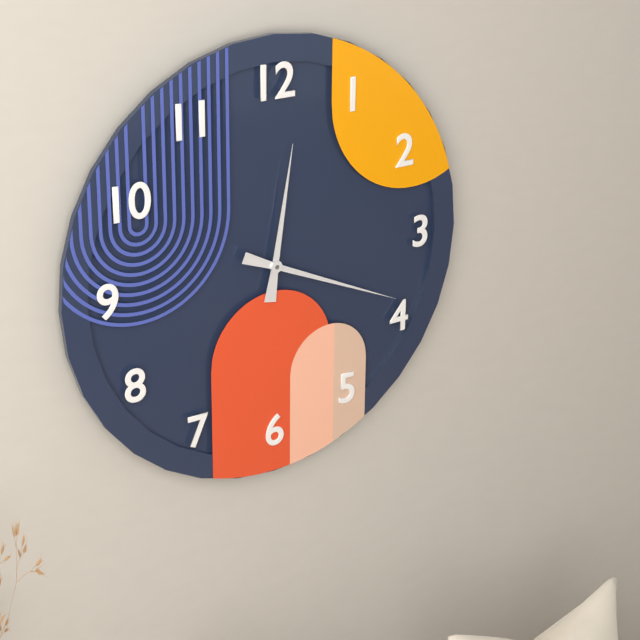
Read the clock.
12:19
